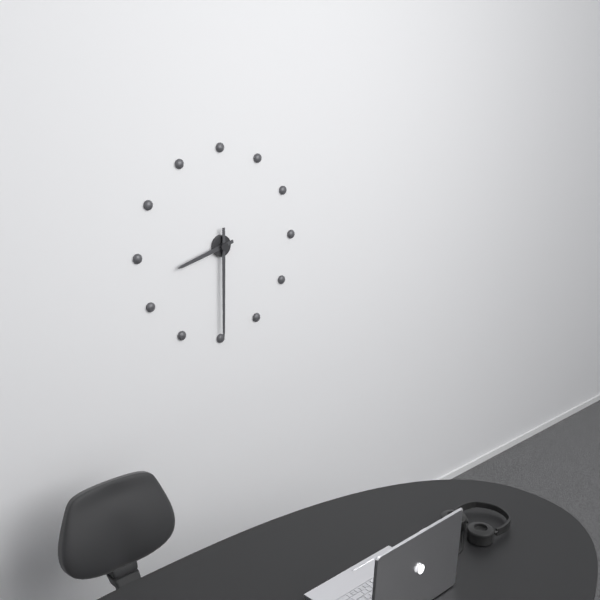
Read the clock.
8:30
